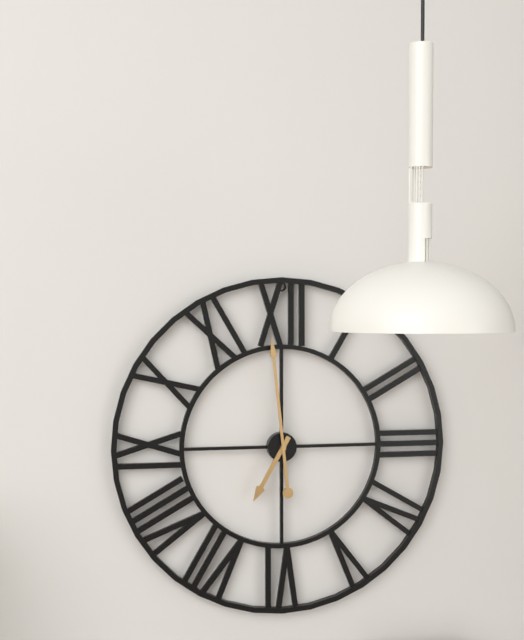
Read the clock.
6:59
